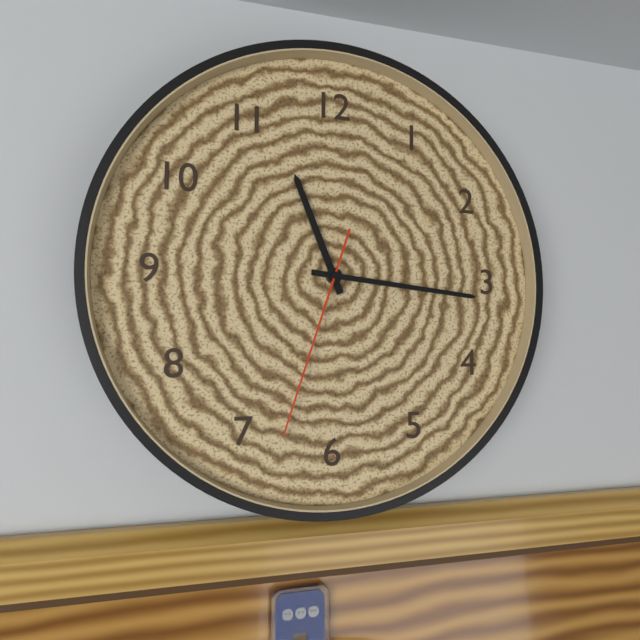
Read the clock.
11:16:33
